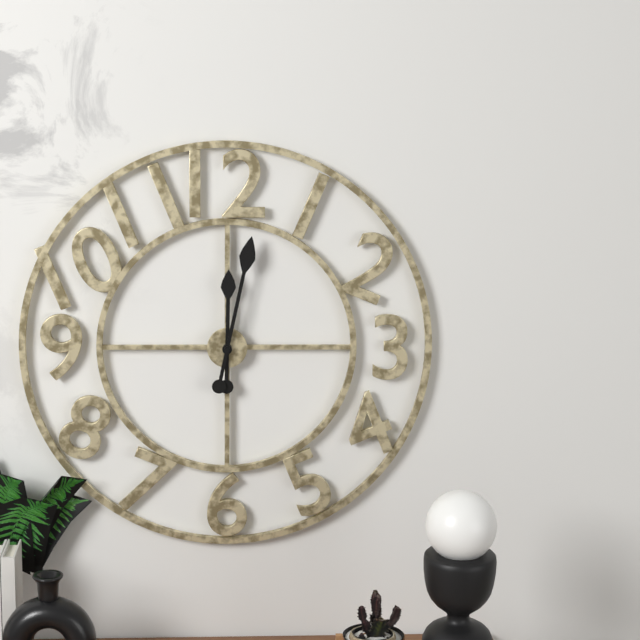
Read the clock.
12:02
